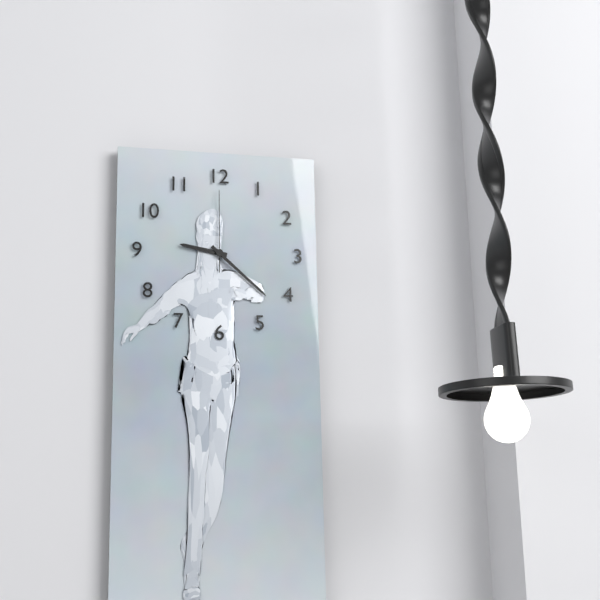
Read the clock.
9:22:00
